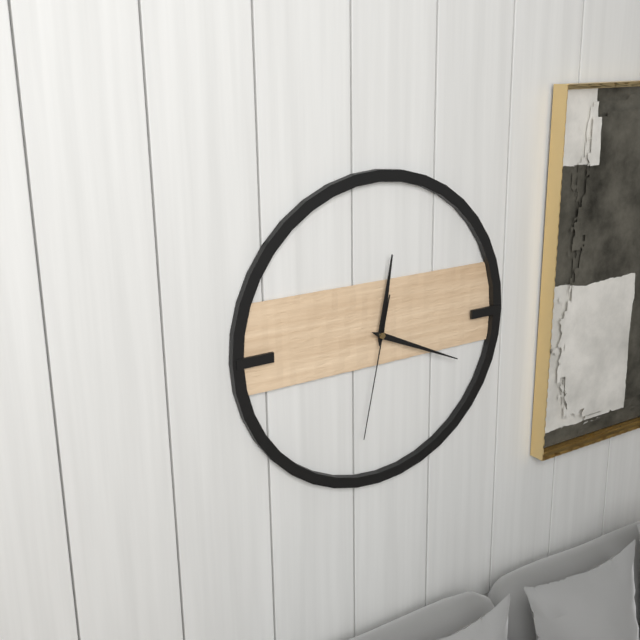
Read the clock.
12:19:32
